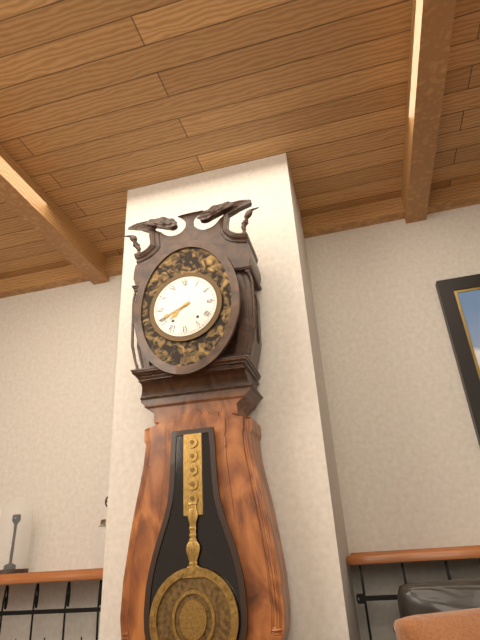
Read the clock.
7:41
